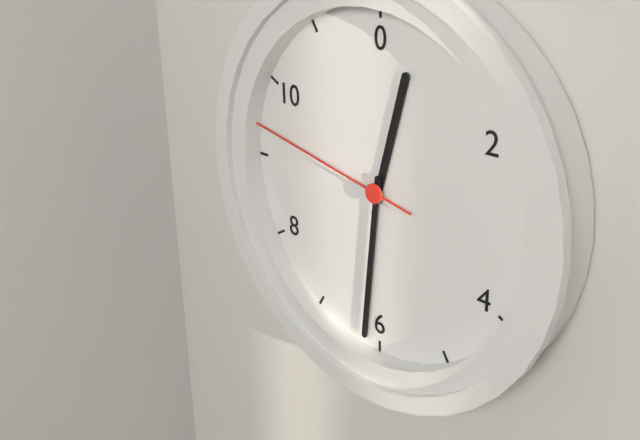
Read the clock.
12:31:47
